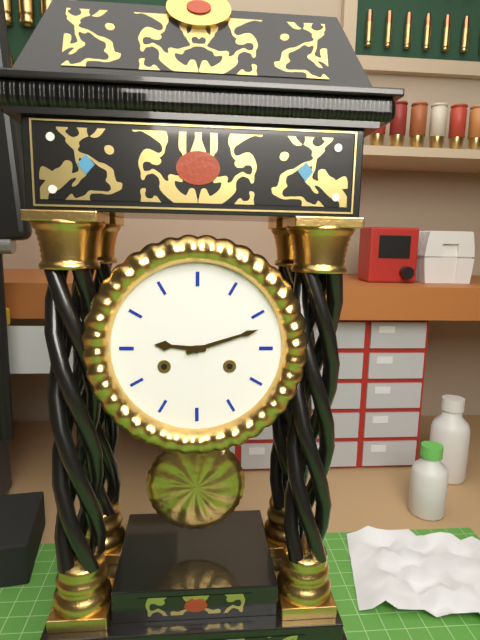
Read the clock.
9:12
